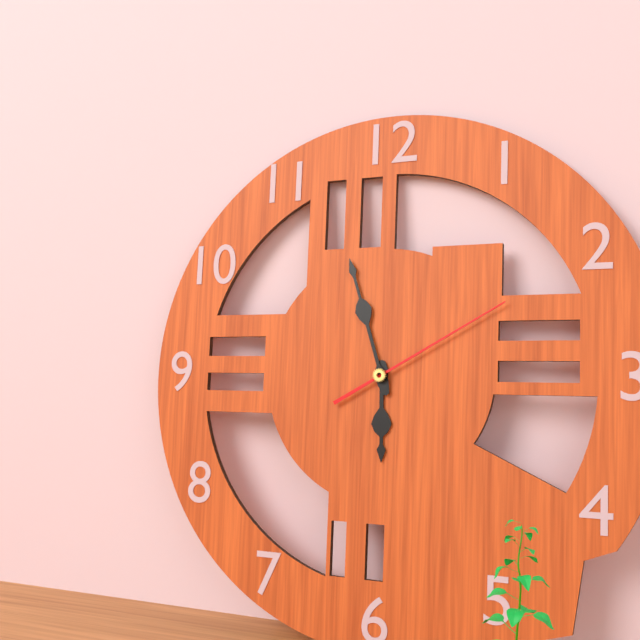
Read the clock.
5:57:10
